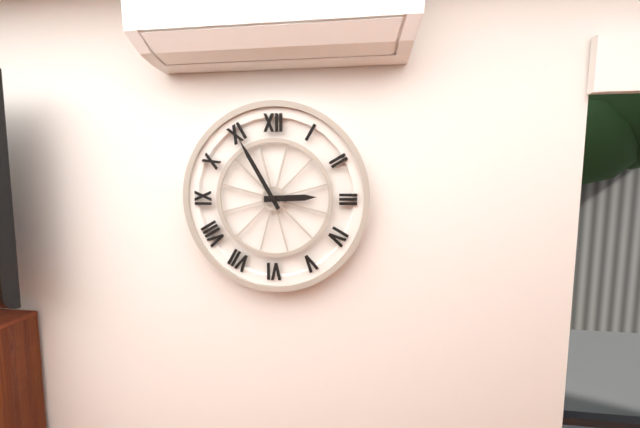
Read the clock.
2:55
